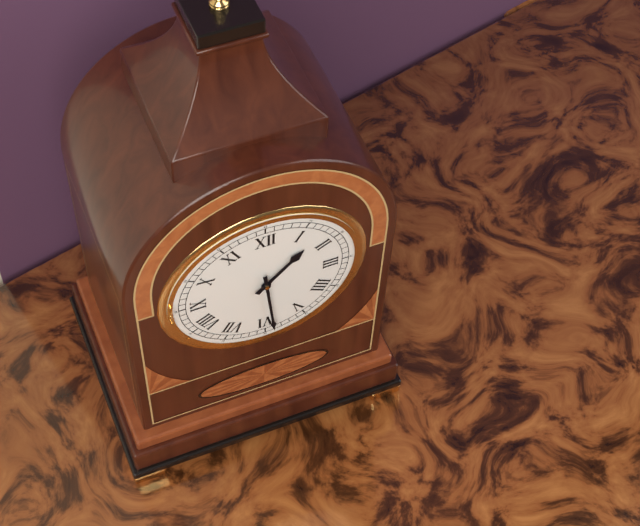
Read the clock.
1:29
